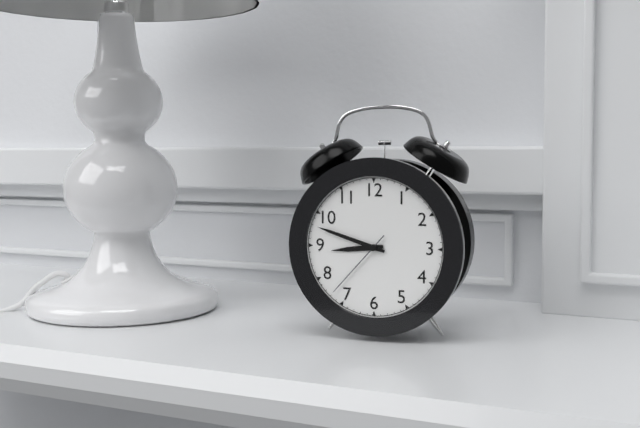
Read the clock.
8:48:37
